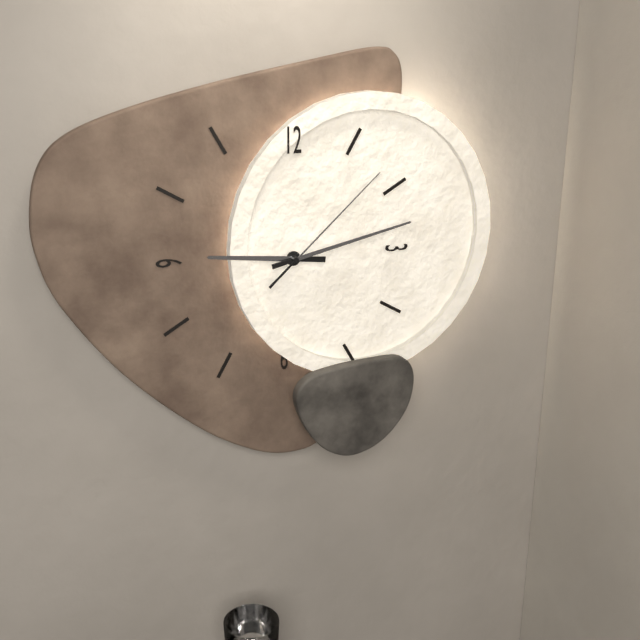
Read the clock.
9:13:08
